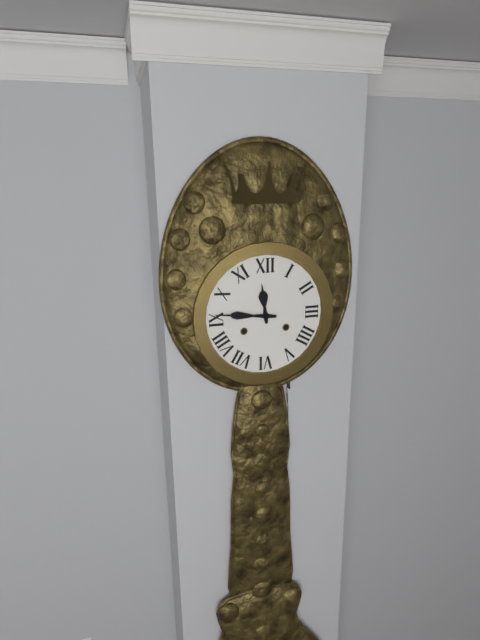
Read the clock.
11:46
